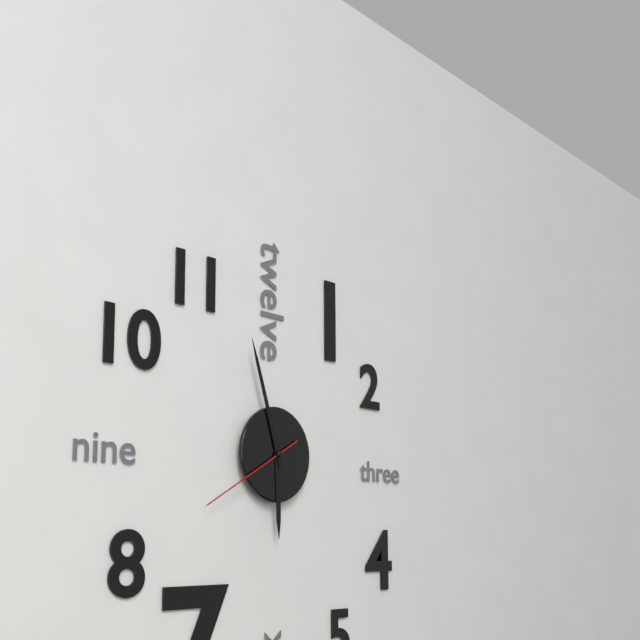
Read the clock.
5:57:40
